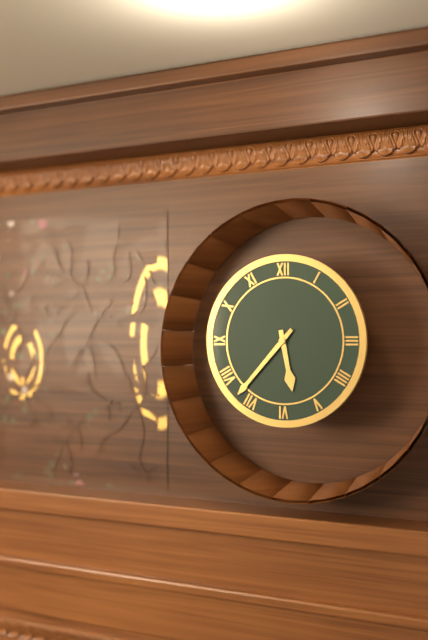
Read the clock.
5:37
